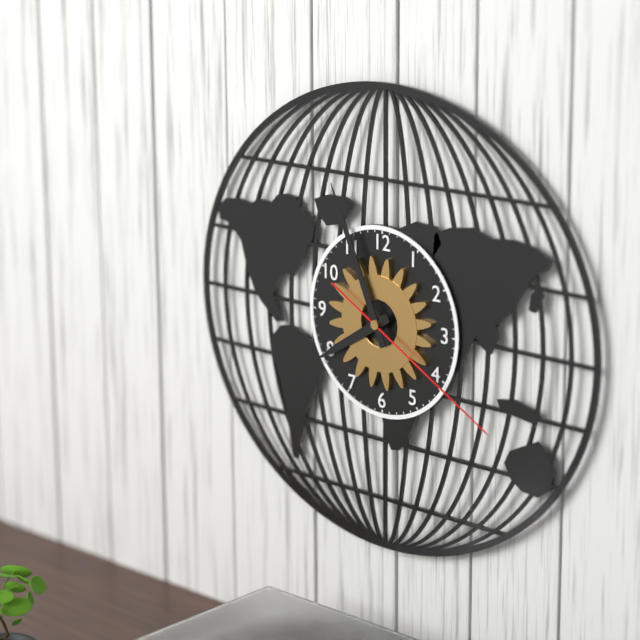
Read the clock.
7:56:20
